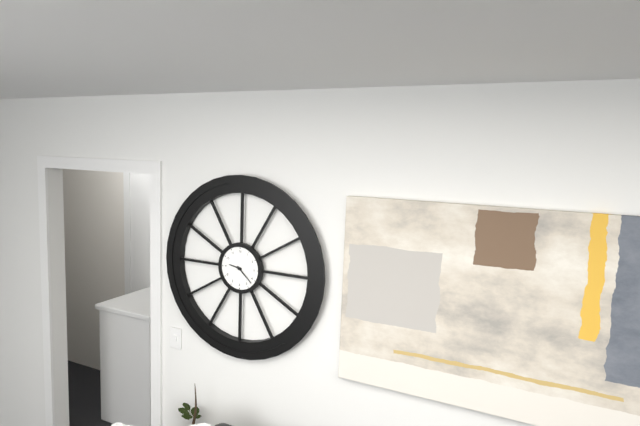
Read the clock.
9:22
